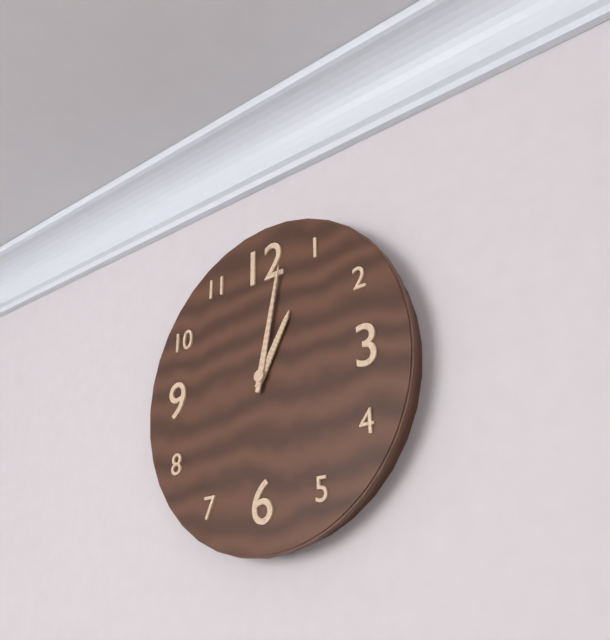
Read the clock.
1:02
